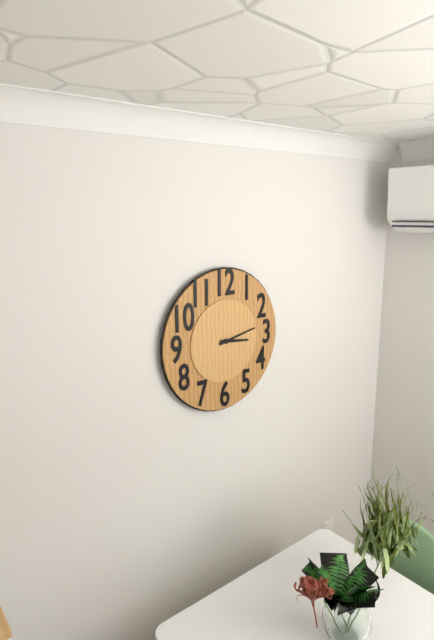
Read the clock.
3:13
